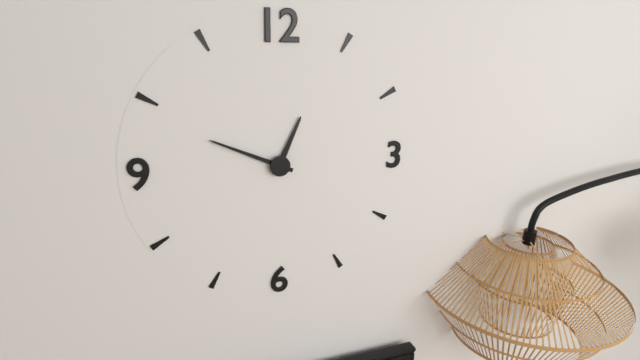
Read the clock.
12:49
